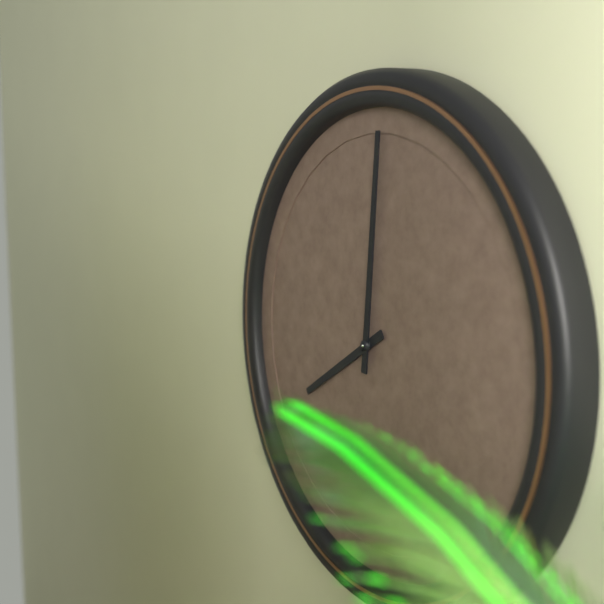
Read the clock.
8:01
